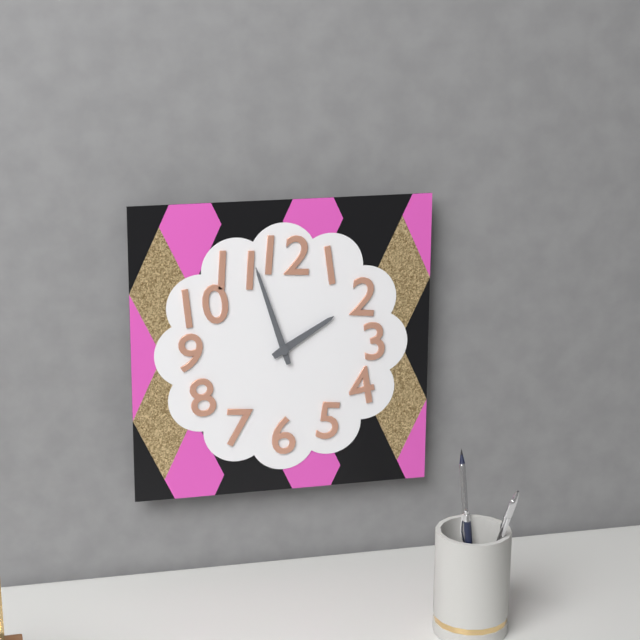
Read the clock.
1:57
